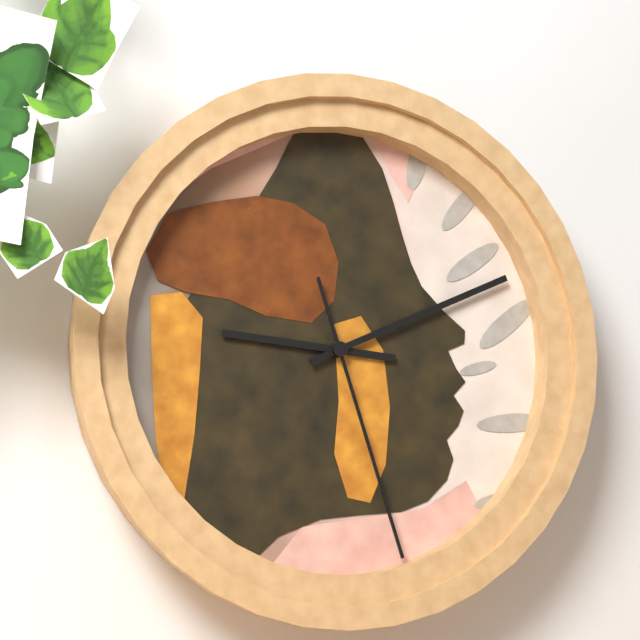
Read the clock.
9:11:27
